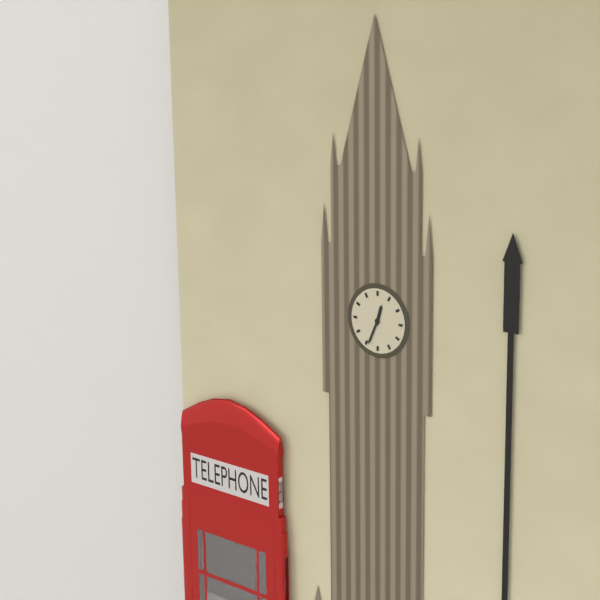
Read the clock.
12:34
